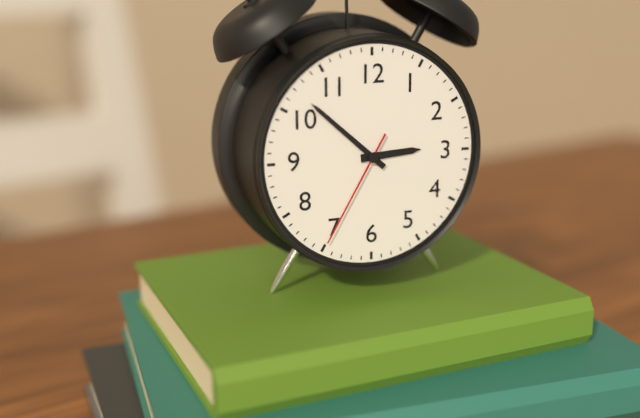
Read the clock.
2:52:35
